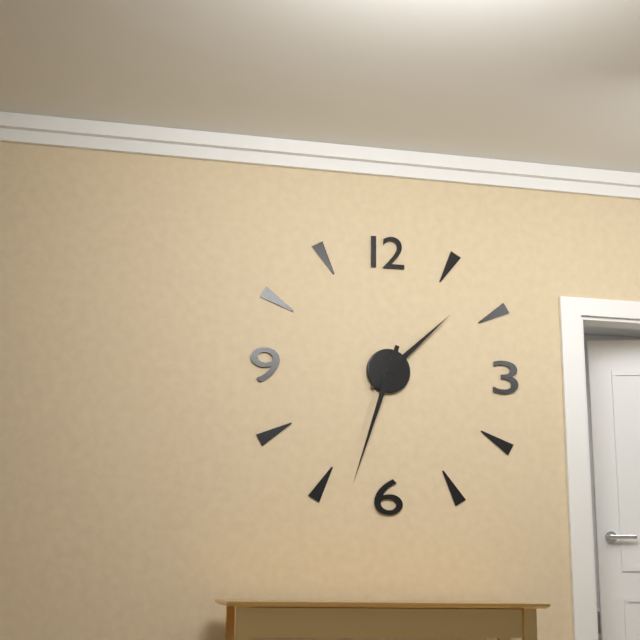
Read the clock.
1:33
